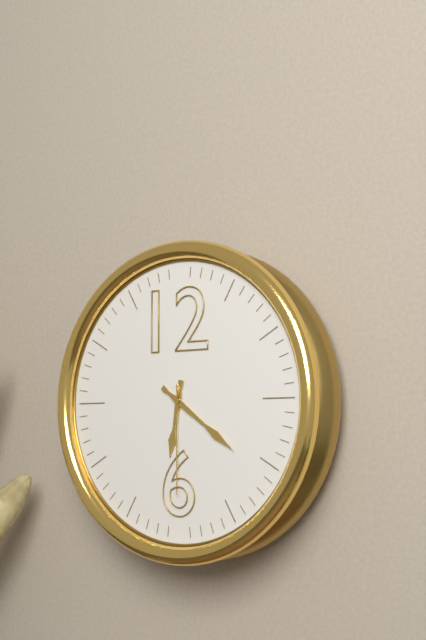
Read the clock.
6:21:30
